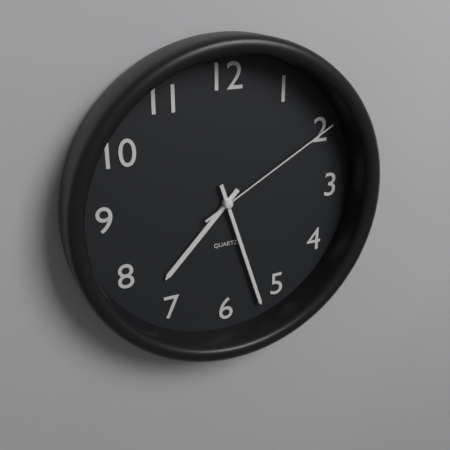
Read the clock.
7:27:10
